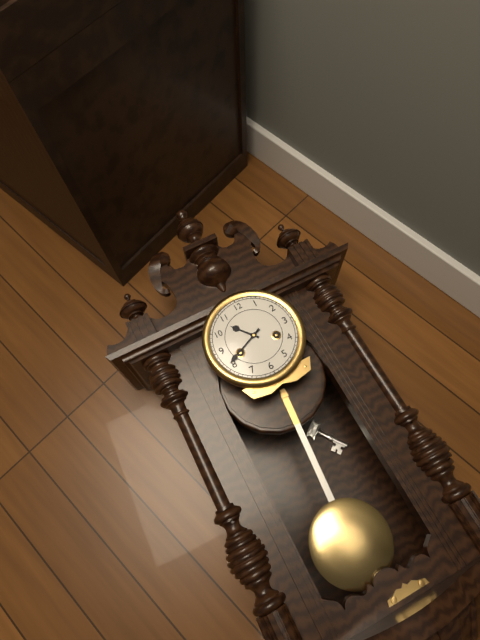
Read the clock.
10:41
